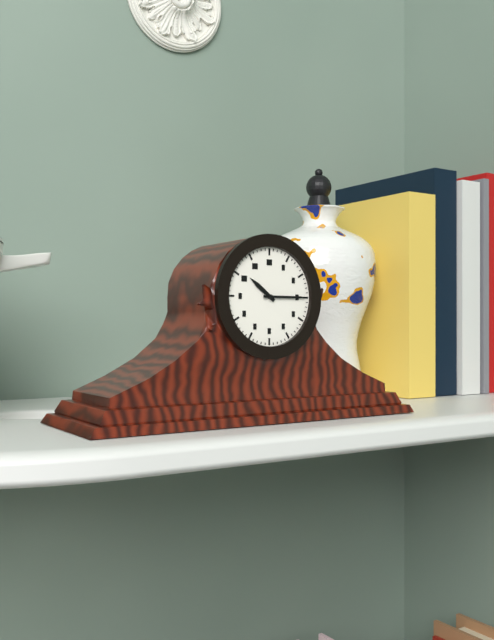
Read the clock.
10:15
